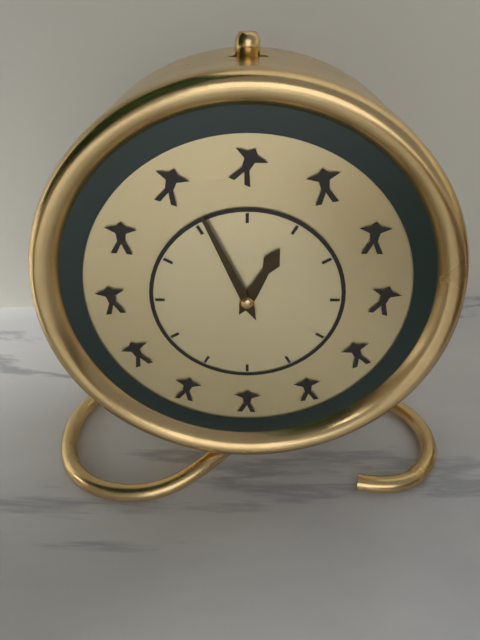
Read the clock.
12:56
